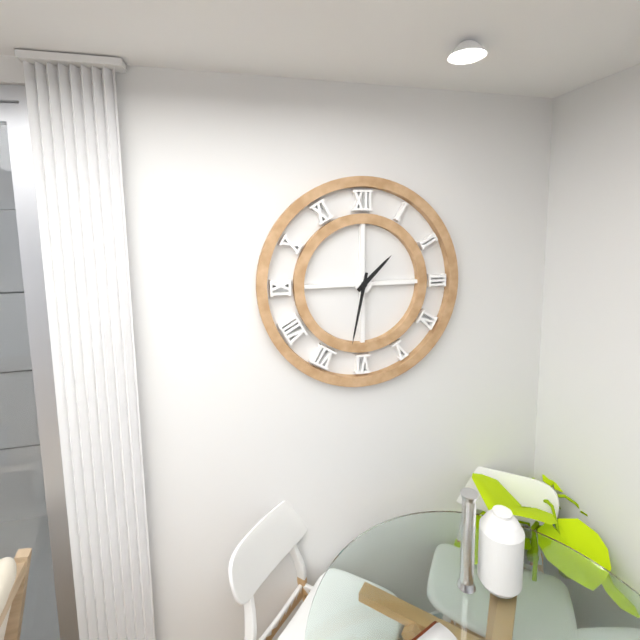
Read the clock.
1:32
